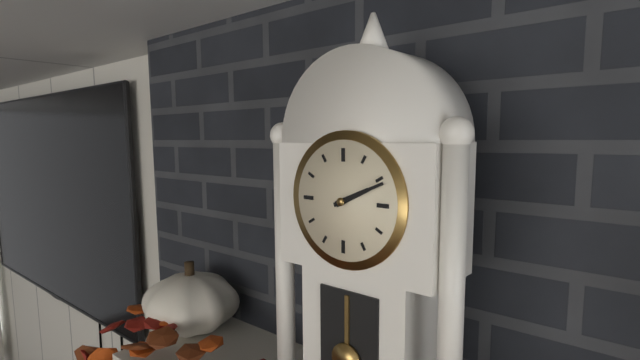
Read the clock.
2:11
